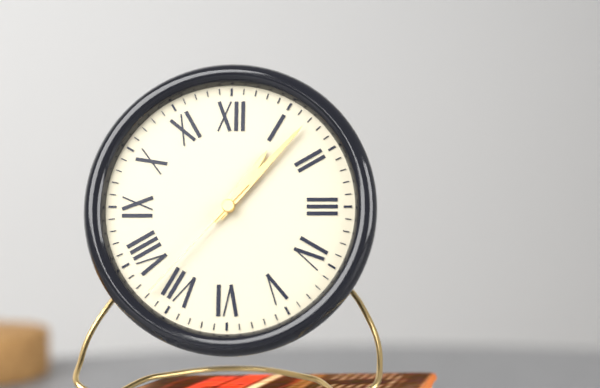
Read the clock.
1:07:37
